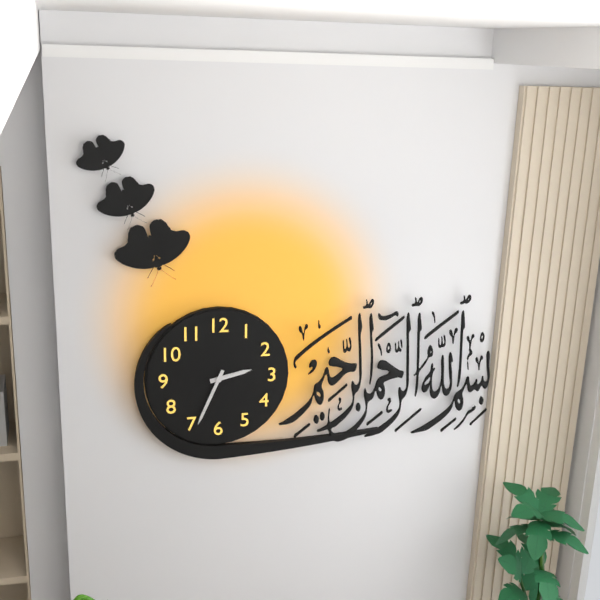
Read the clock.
2:34
